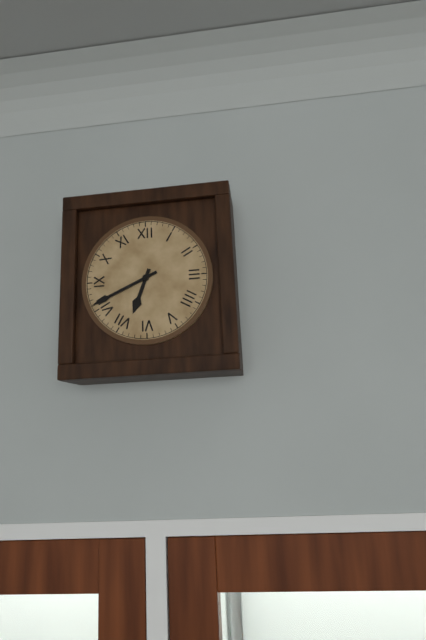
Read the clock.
6:41
